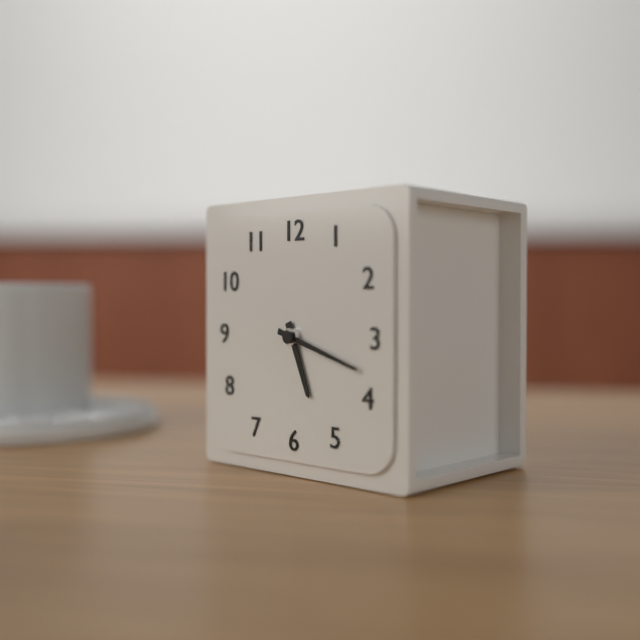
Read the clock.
5:18
